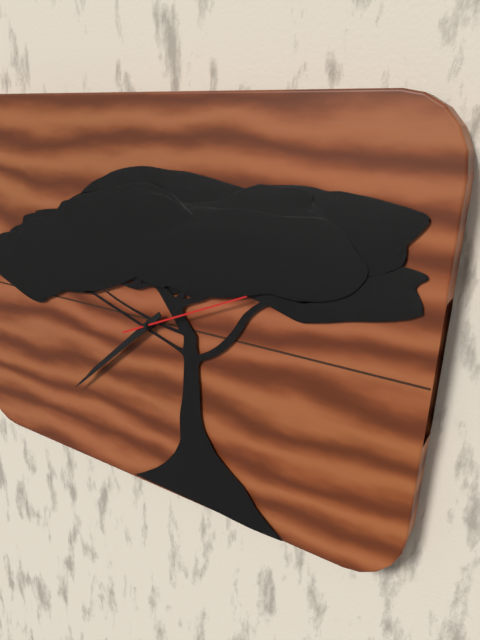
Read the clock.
7:38:11
